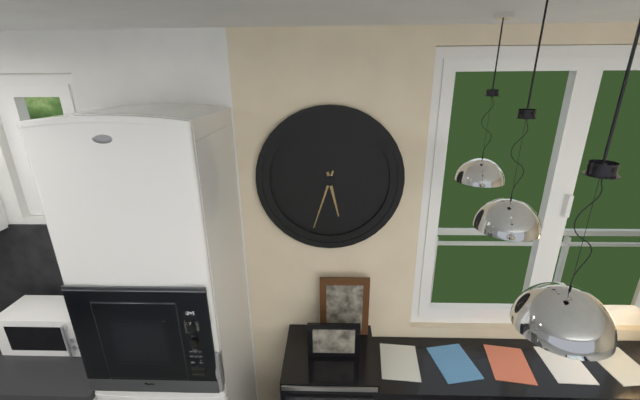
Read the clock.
5:33
